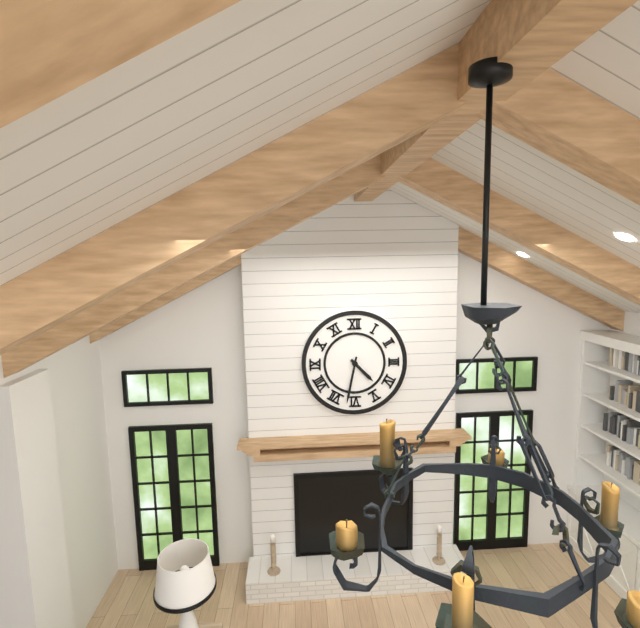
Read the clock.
4:32
